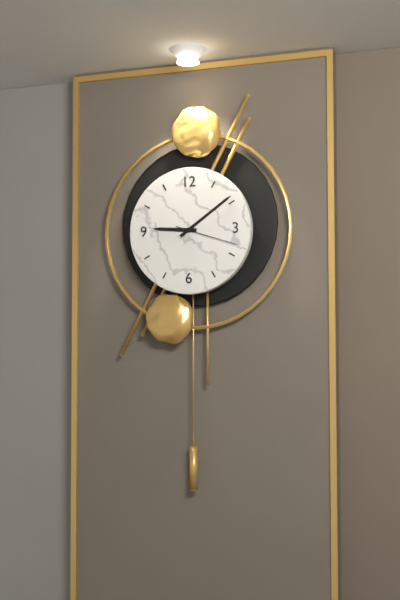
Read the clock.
9:09:18
